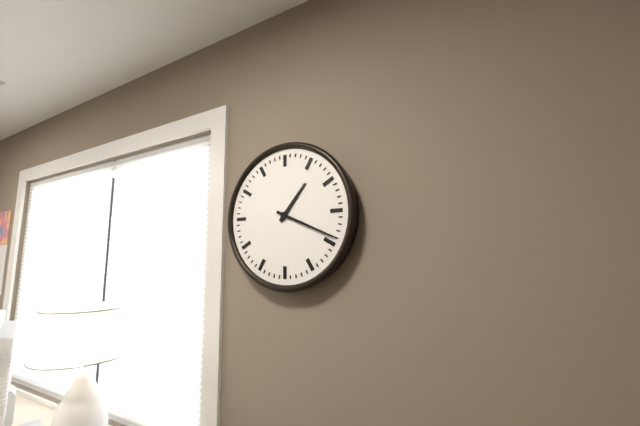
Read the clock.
1:19
